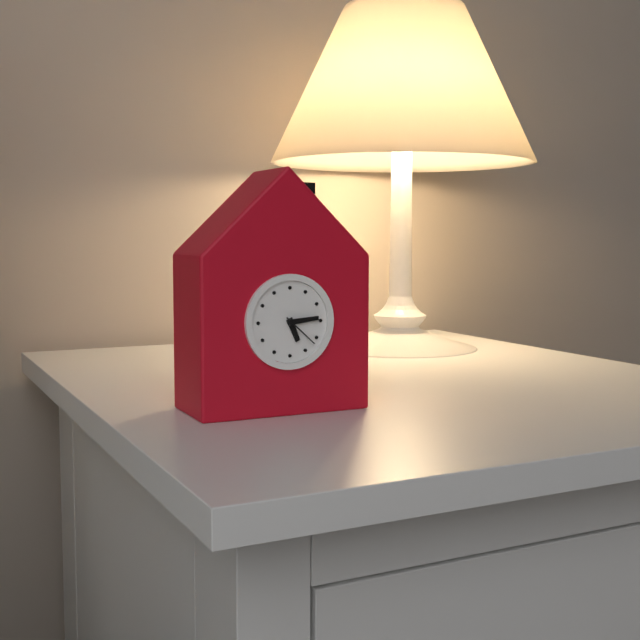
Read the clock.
5:14
